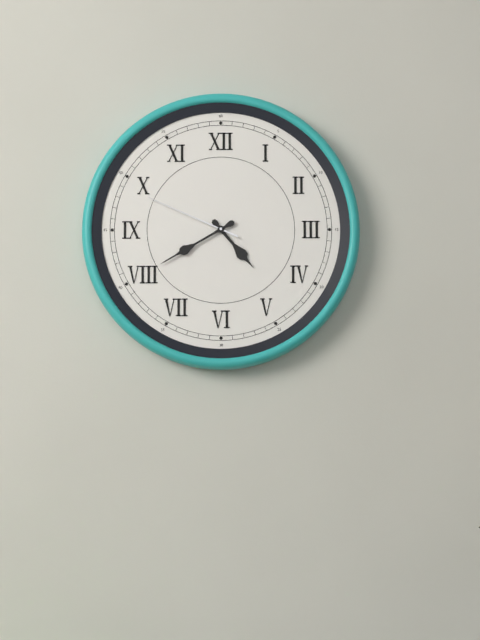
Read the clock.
4:40:49
